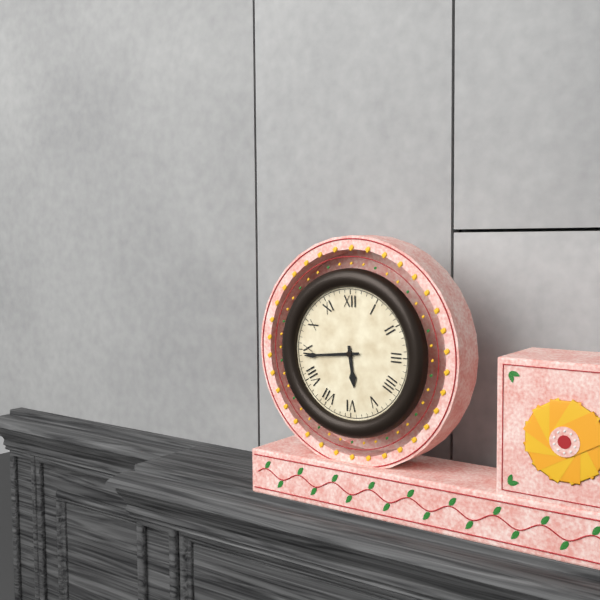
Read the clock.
5:44
